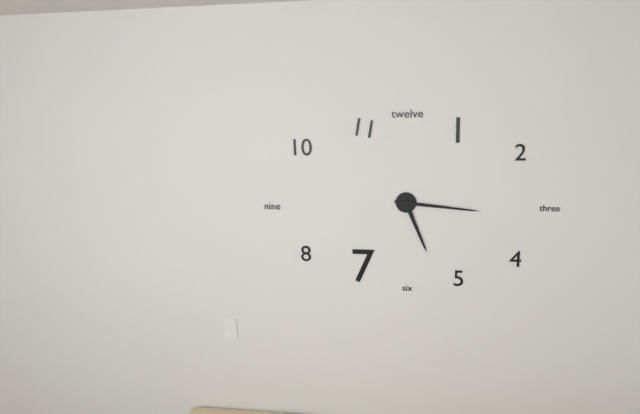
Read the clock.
5:16
